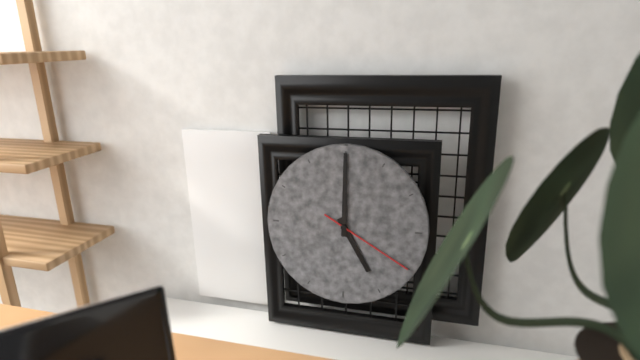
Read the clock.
5:00:20
